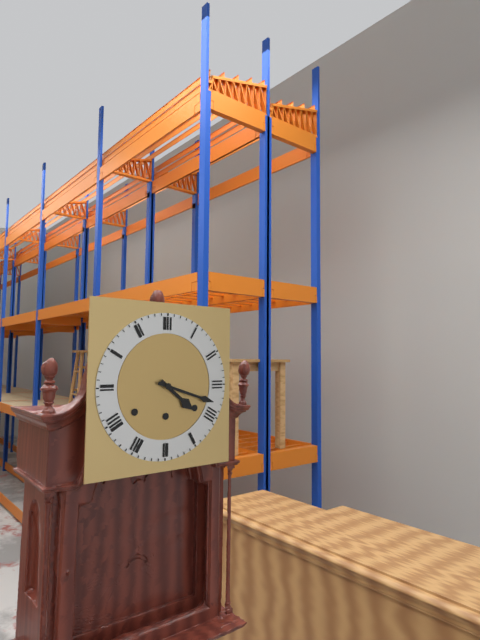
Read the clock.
4:18
